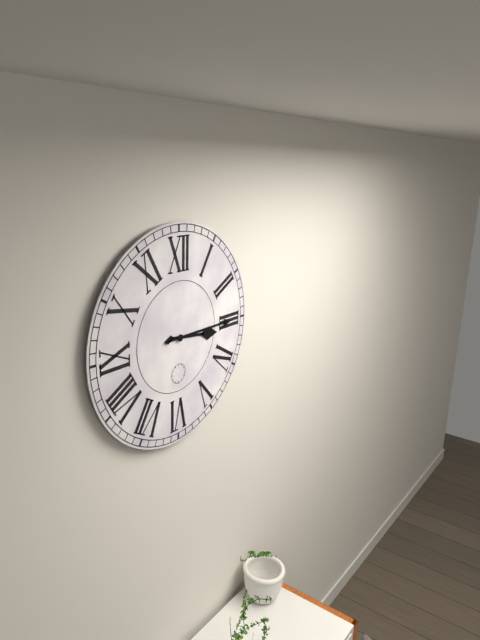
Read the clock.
3:15
